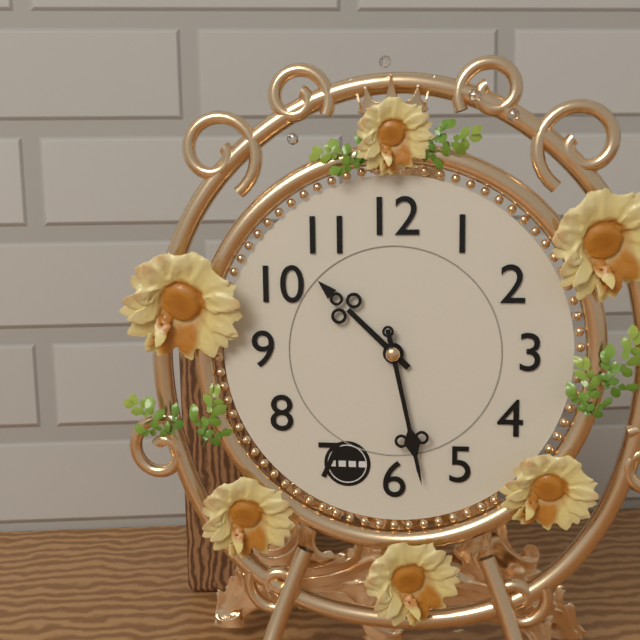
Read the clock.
10:28
